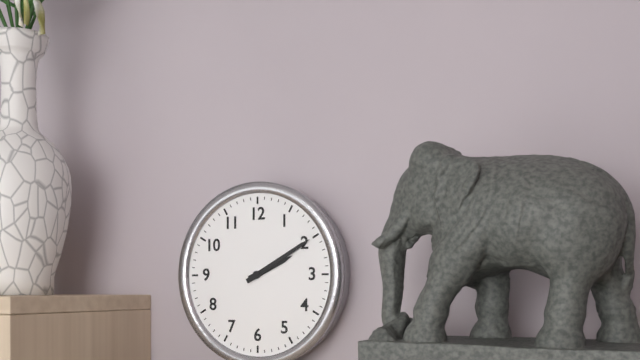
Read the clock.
2:10
